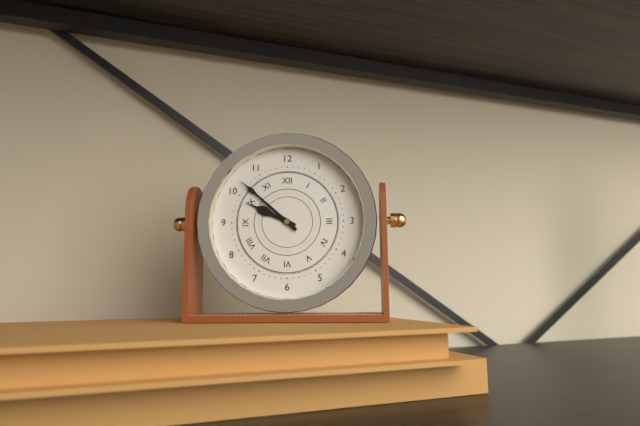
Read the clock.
9:52
